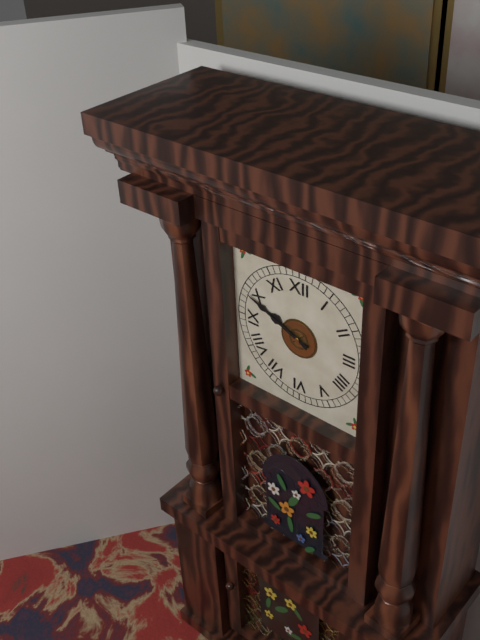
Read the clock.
9:49
